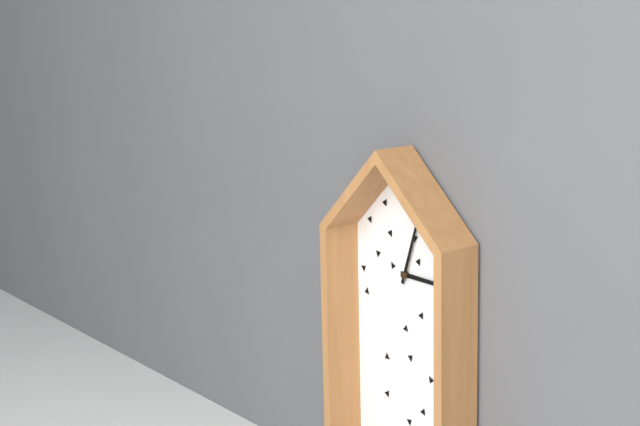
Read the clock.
3:03
